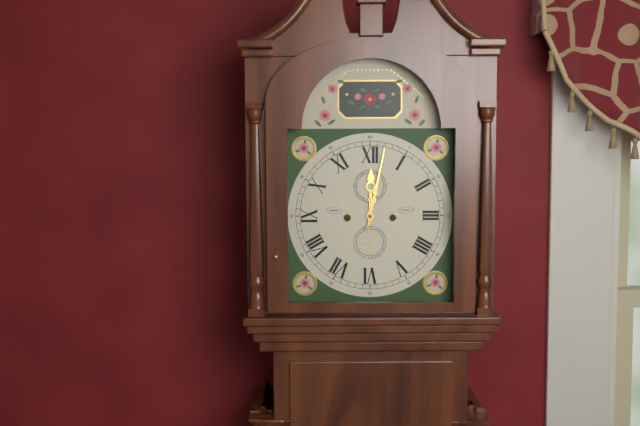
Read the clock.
12:02
